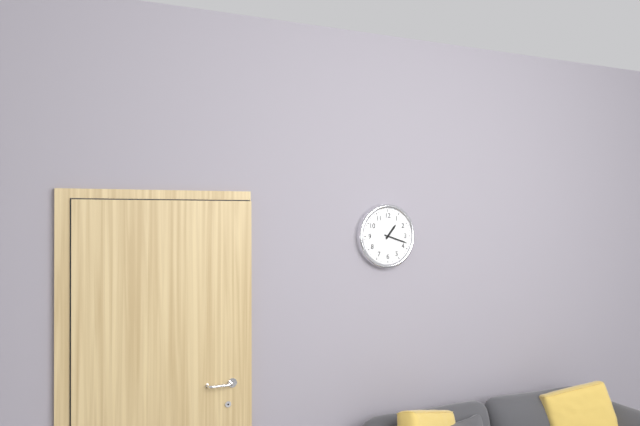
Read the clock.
1:18
